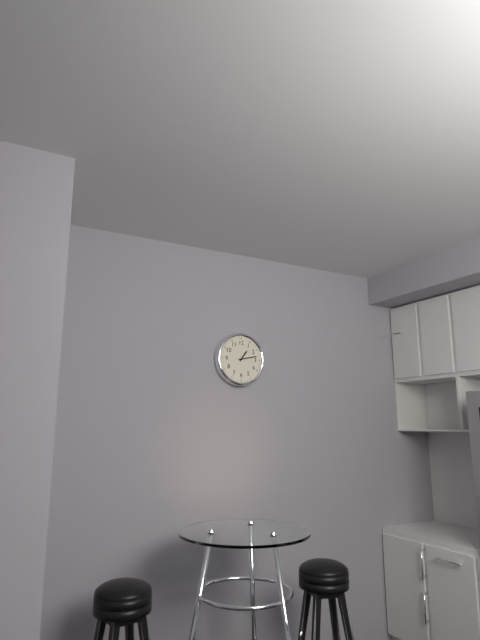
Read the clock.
1:13
